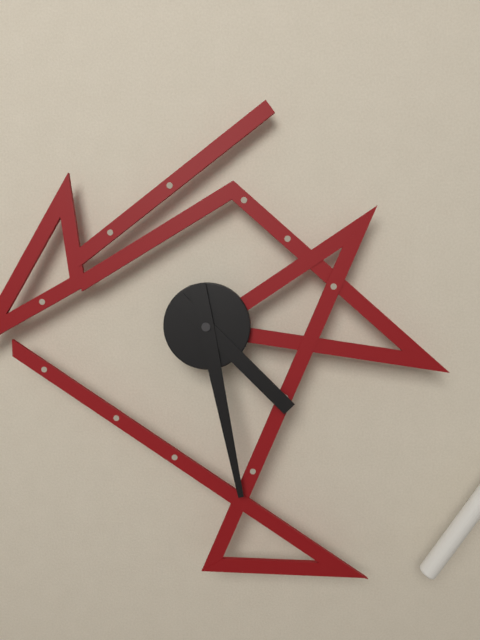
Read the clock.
4:28
